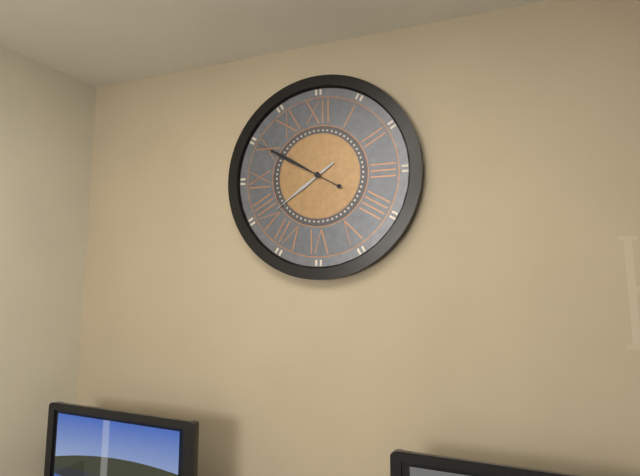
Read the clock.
7:50
